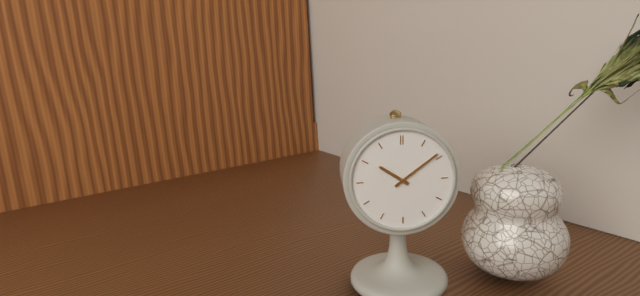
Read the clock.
10:09
